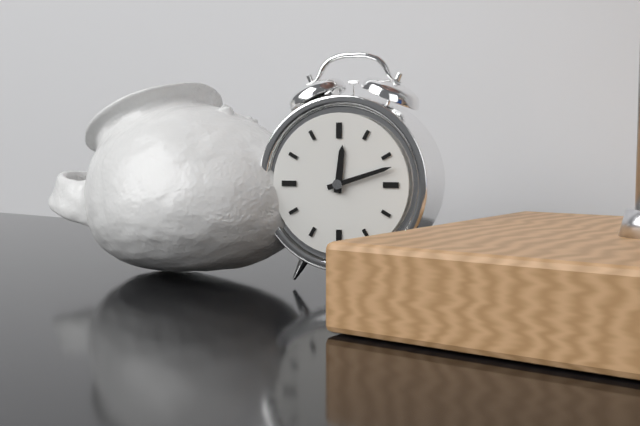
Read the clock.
12:12
